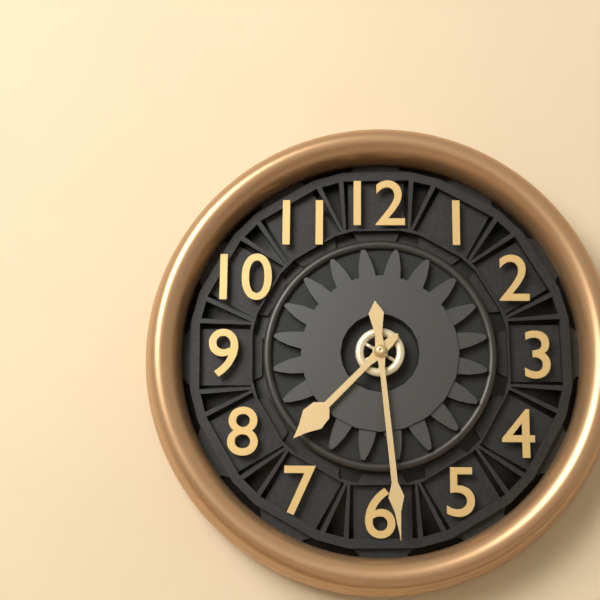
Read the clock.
7:29
